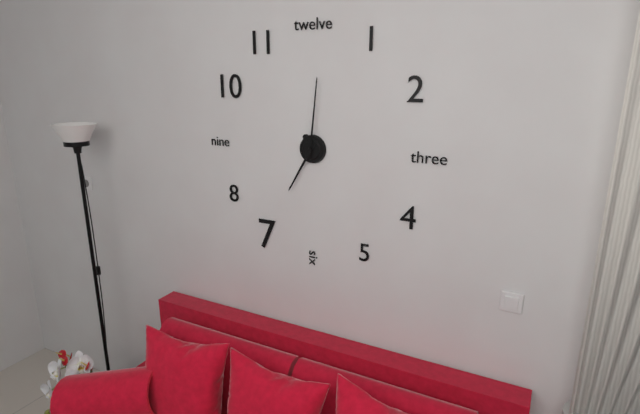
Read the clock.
7:01
